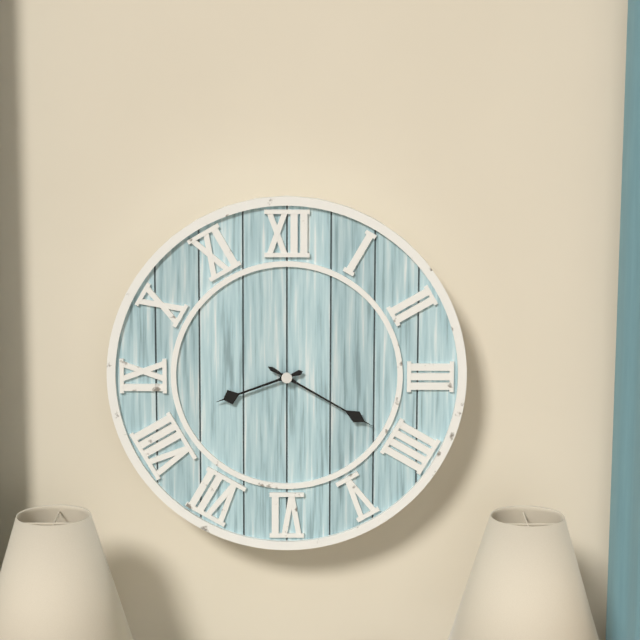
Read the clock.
8:20
